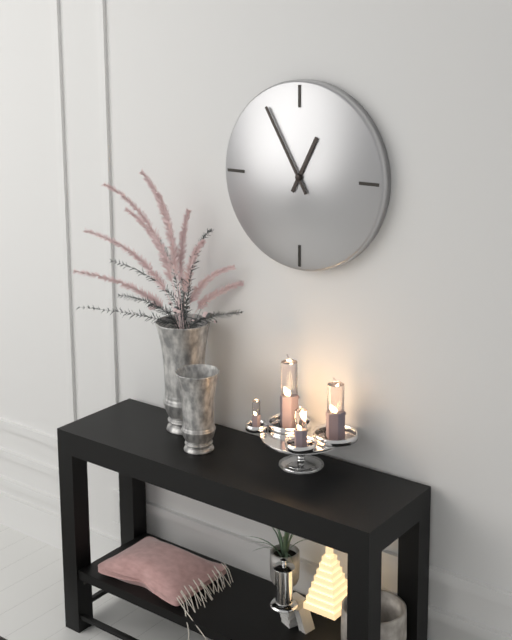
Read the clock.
12:55
